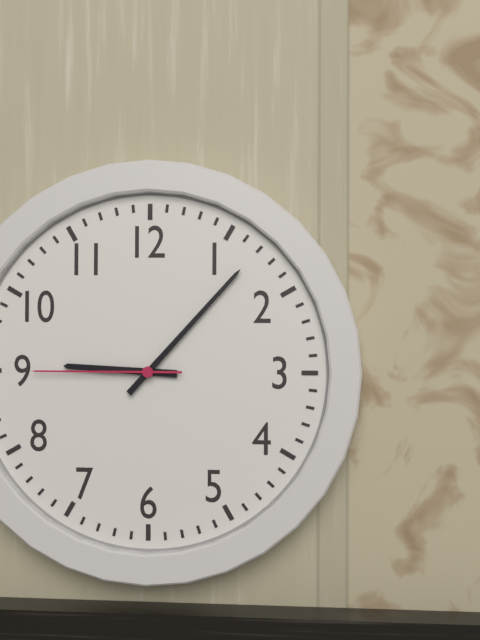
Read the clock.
9:07:45
